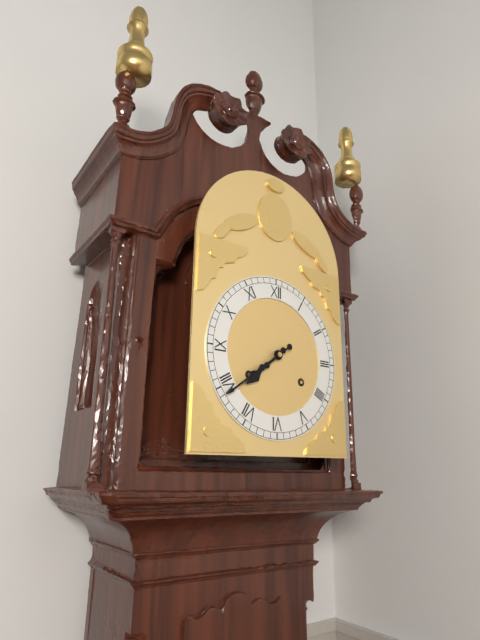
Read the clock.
7:39
